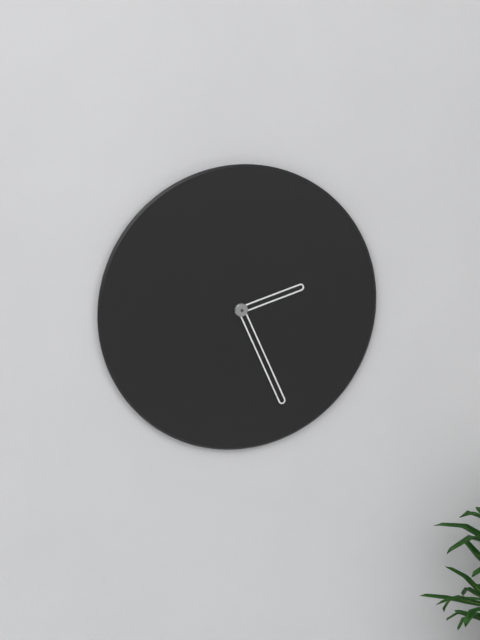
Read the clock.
2:26
